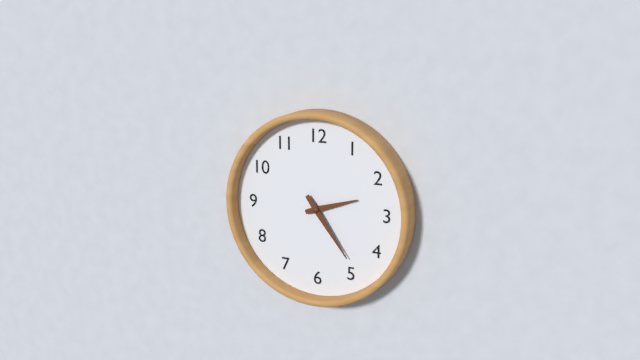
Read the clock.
2:24
